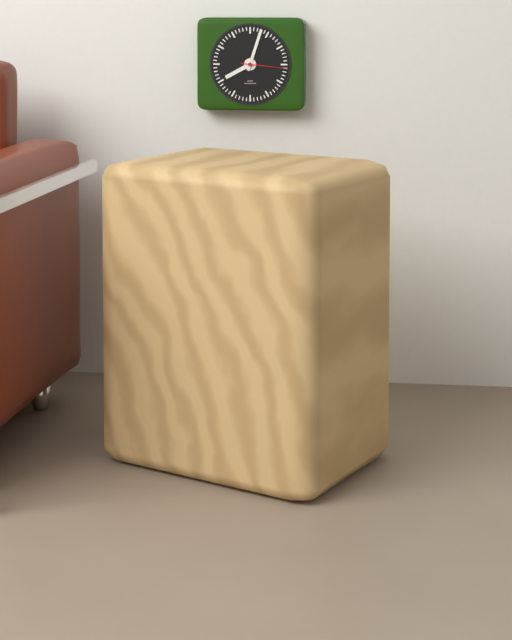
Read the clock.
8:03
